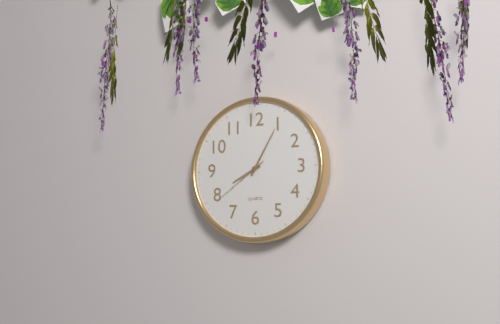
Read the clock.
8:05:39
